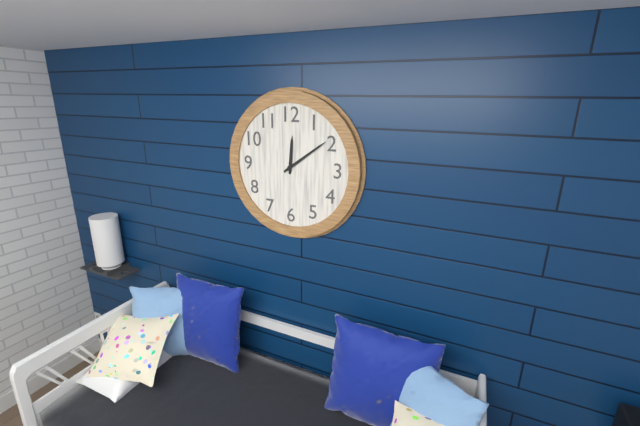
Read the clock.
12:09
